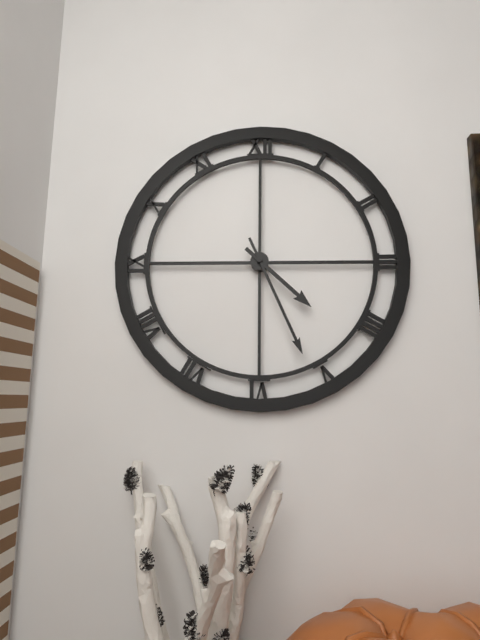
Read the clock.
4:26
